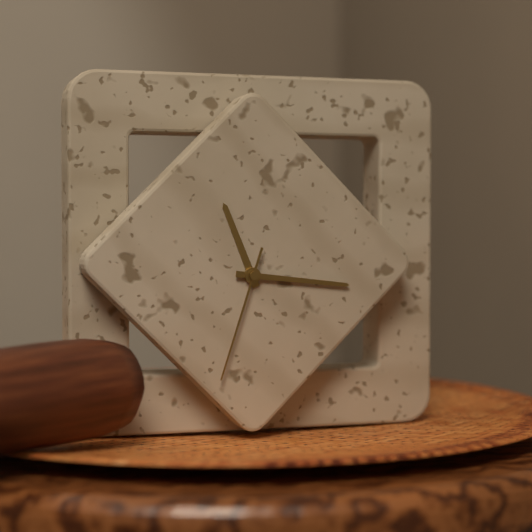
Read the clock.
11:16:33
